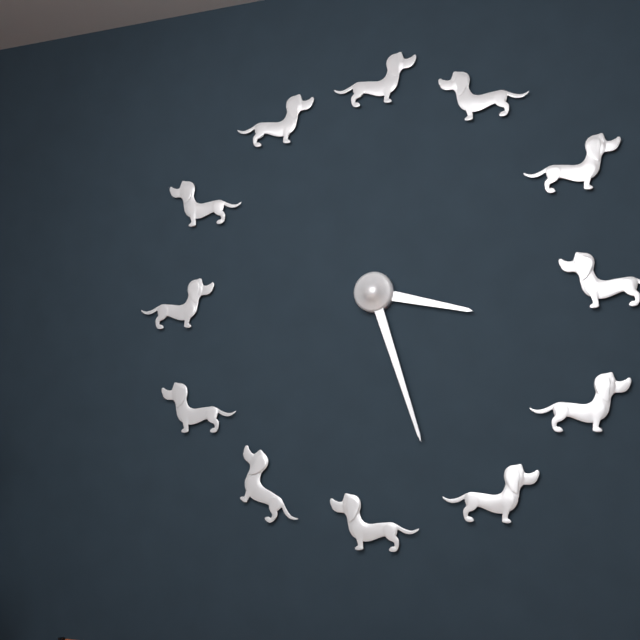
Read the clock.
3:27
